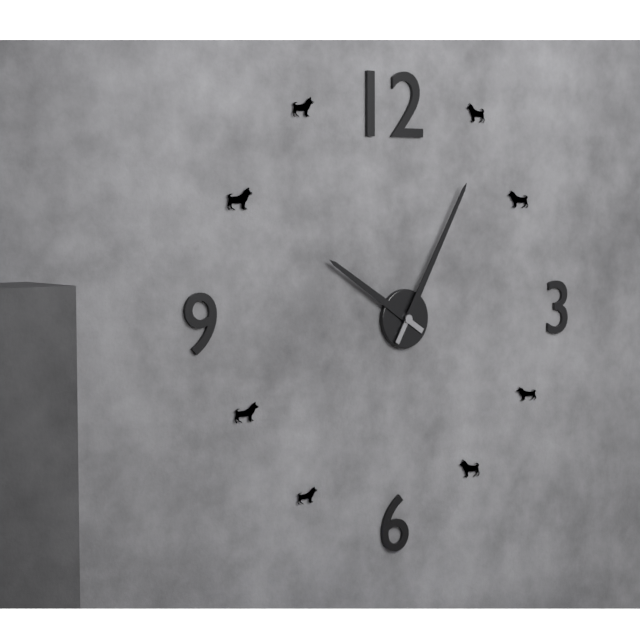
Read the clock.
10:05
